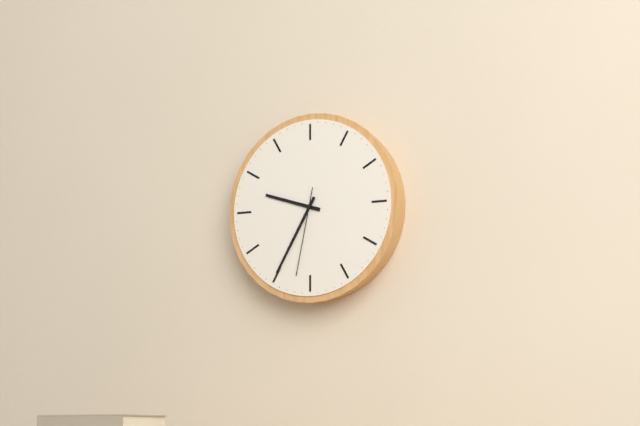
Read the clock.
9:35:32
